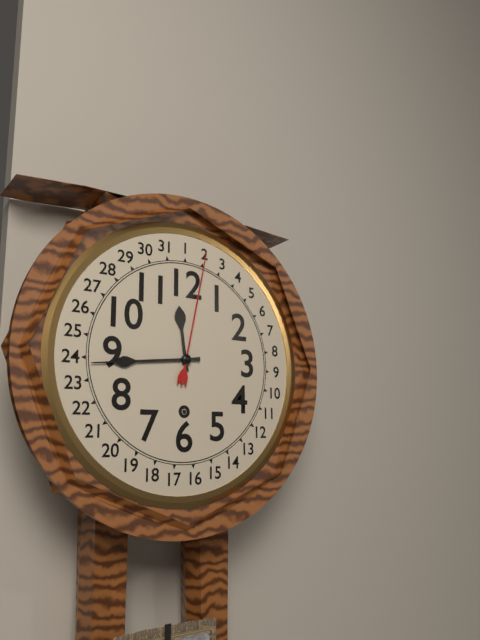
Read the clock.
11:44
